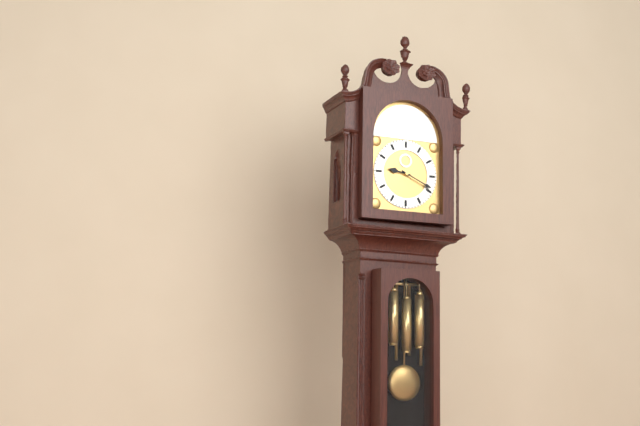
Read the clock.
9:19
